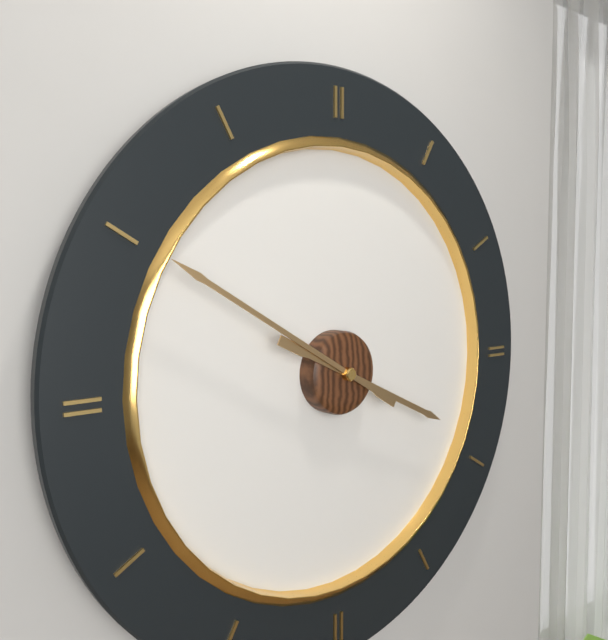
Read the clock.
3:50
